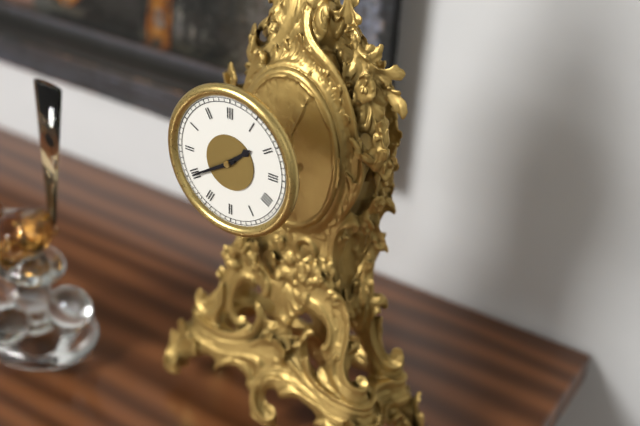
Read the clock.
1:40
